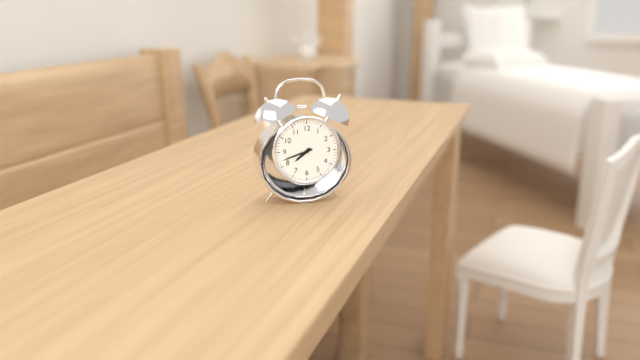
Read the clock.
7:42
